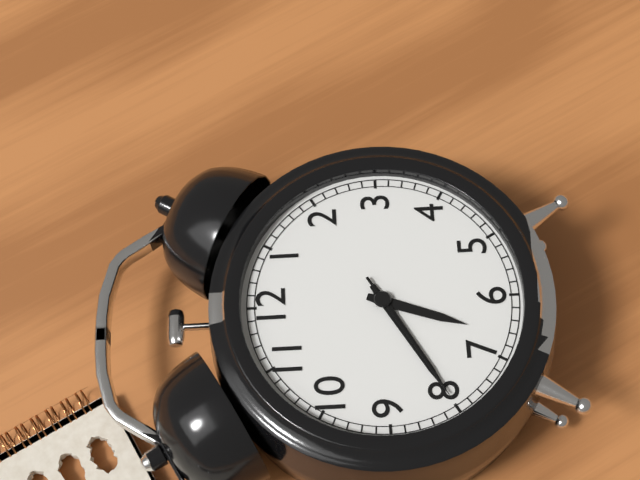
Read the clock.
6:40:40
